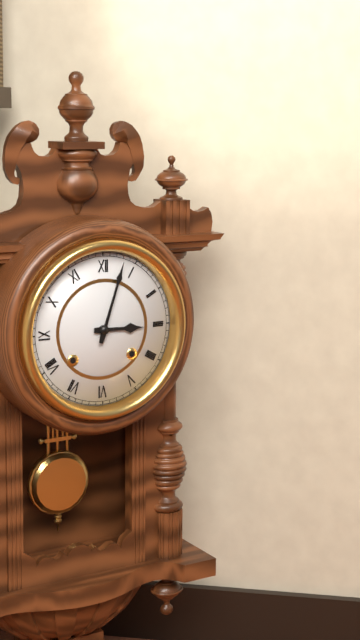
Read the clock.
3:03
